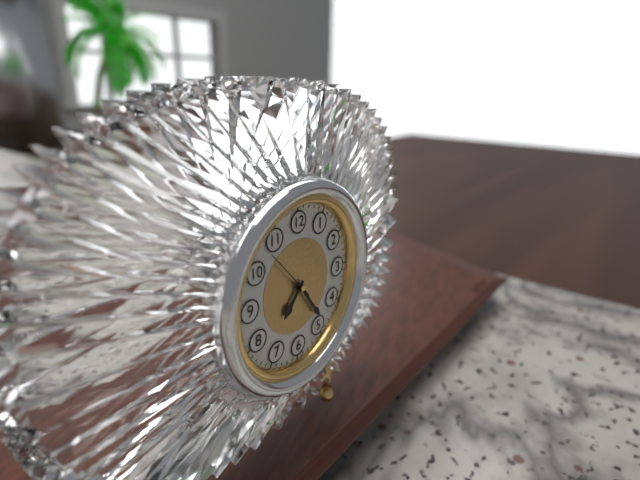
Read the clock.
7:24:53
